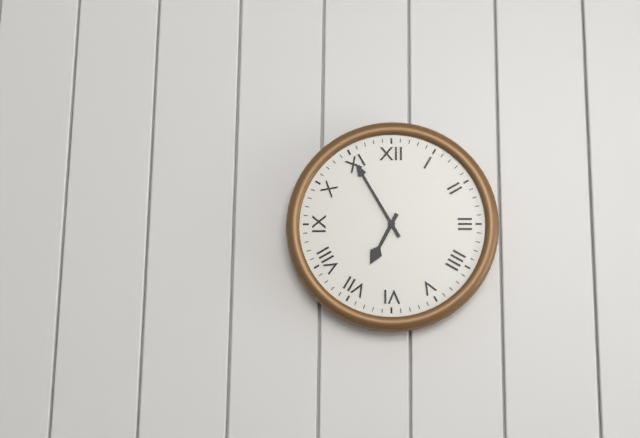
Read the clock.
6:55
